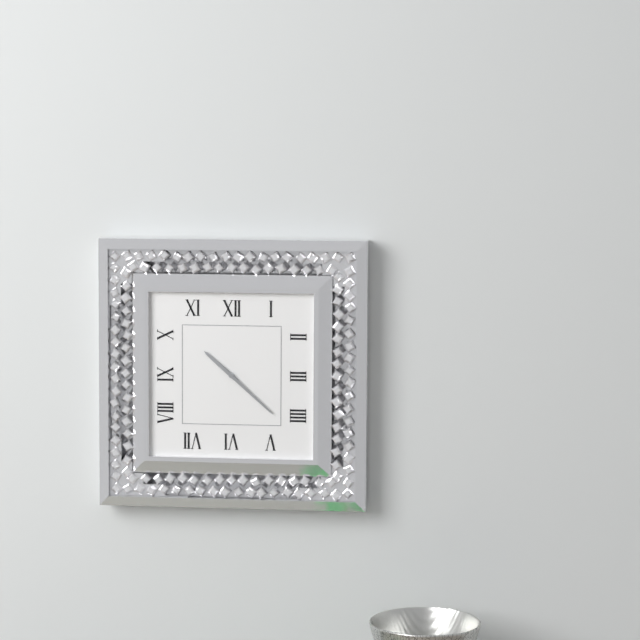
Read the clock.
10:22
